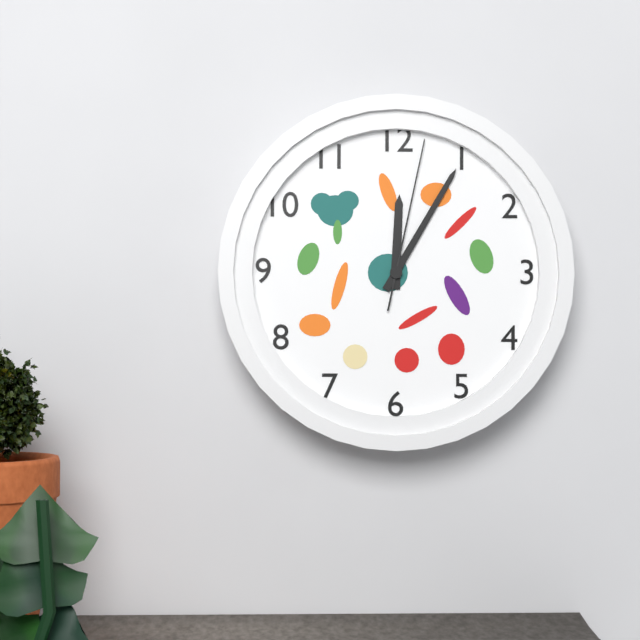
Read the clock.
12:05:02
